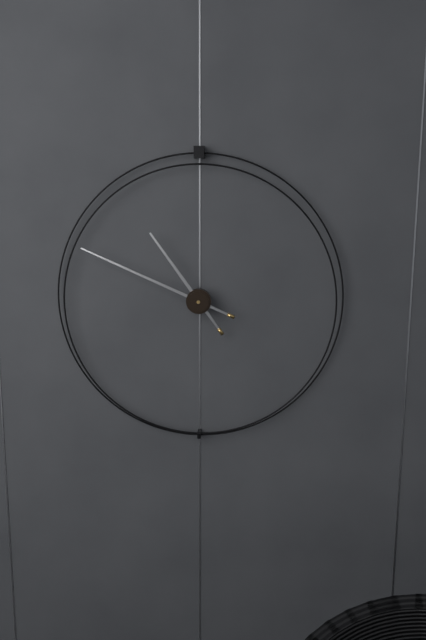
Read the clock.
10:49
